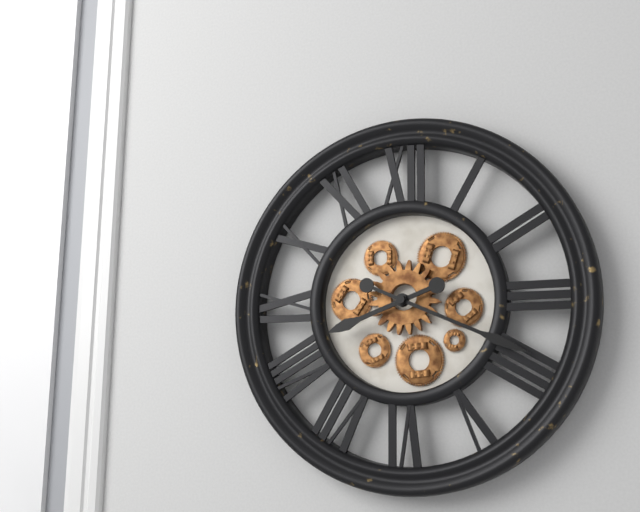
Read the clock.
8:19
